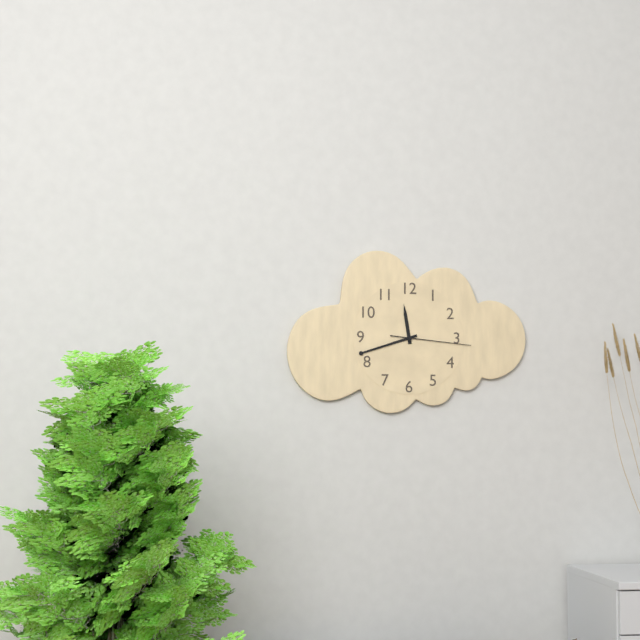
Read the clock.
11:42:16
